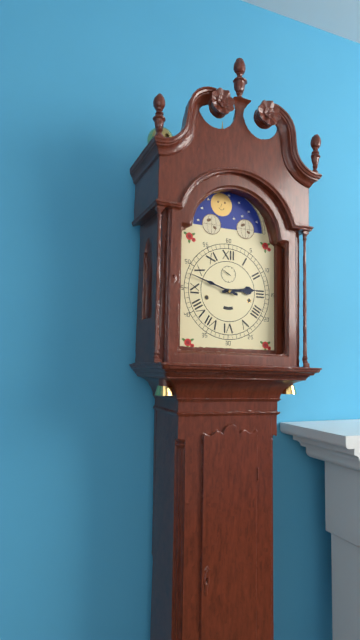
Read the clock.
2:48
